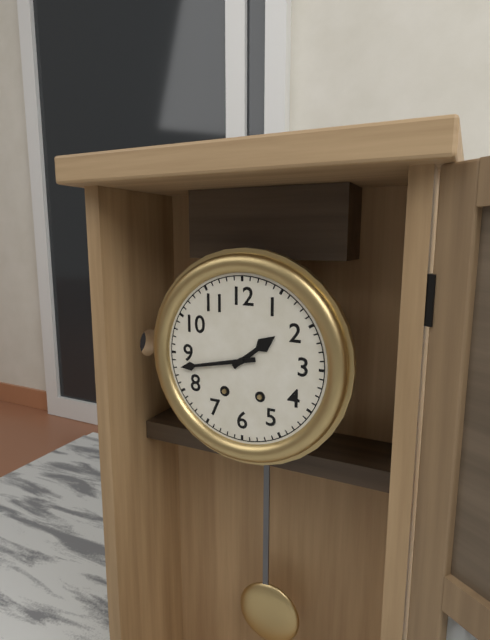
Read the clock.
1:43
